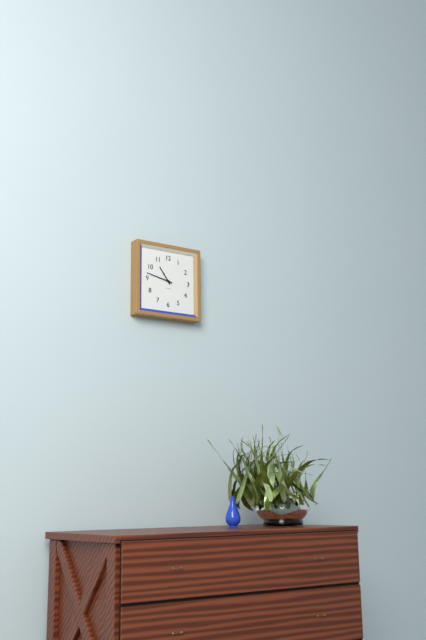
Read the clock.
10:47
